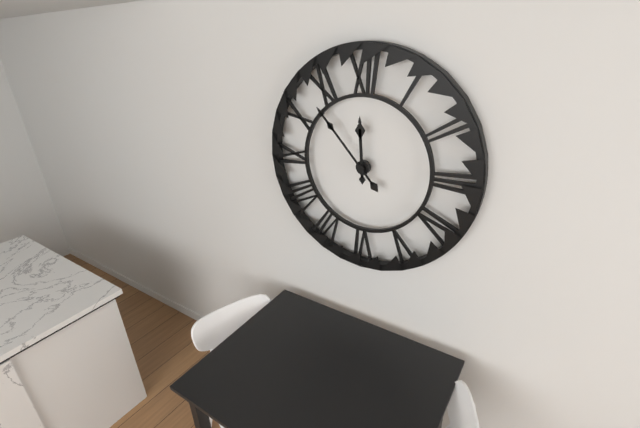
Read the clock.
11:53
